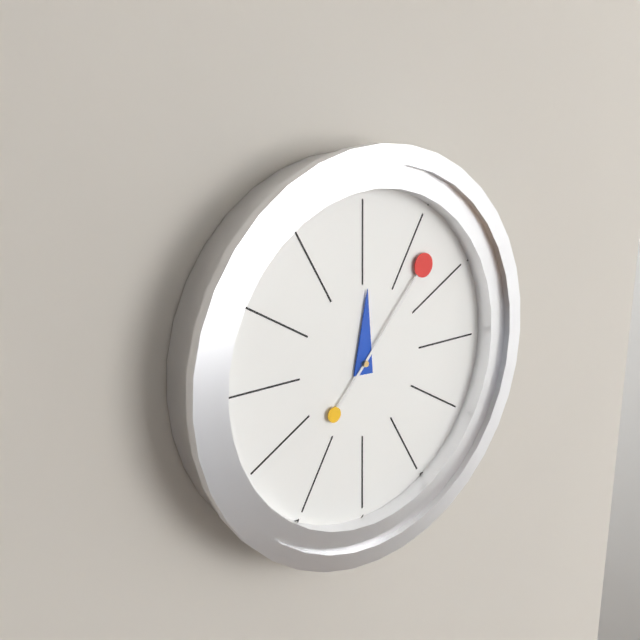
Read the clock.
12:07
